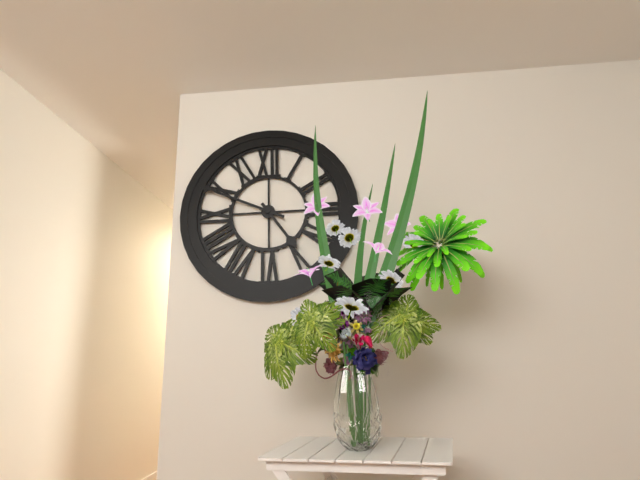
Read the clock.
4:49
